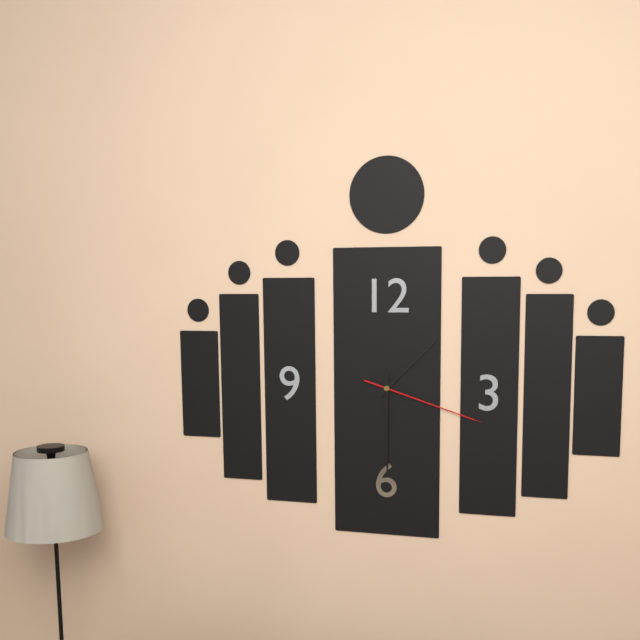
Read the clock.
1:30:18
